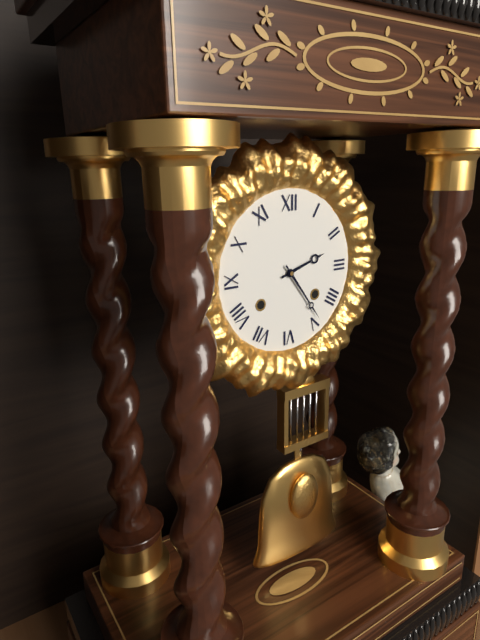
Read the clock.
2:24
